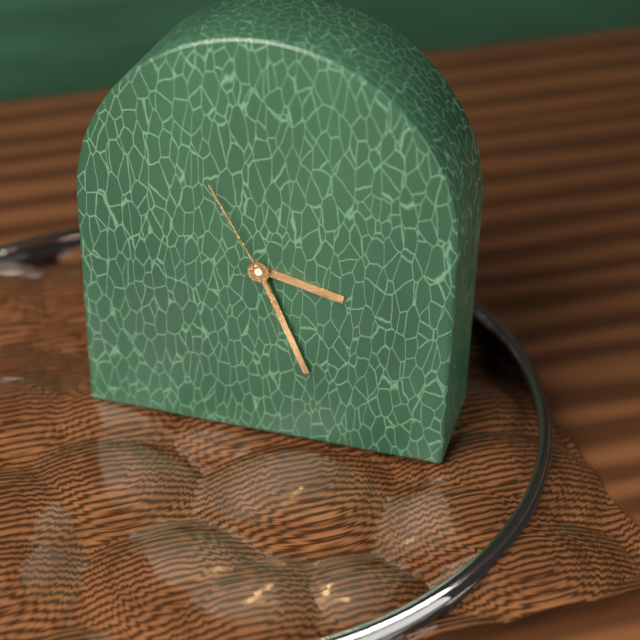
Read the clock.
3:26:55
